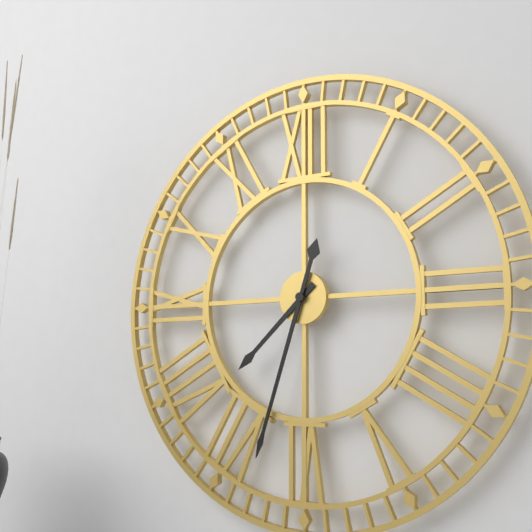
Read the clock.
7:33
